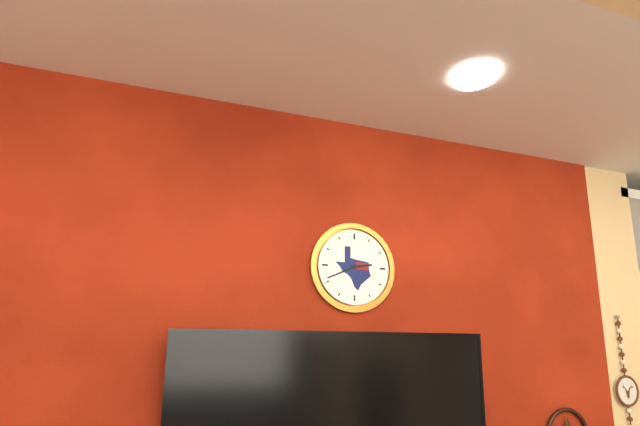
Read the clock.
2:41
